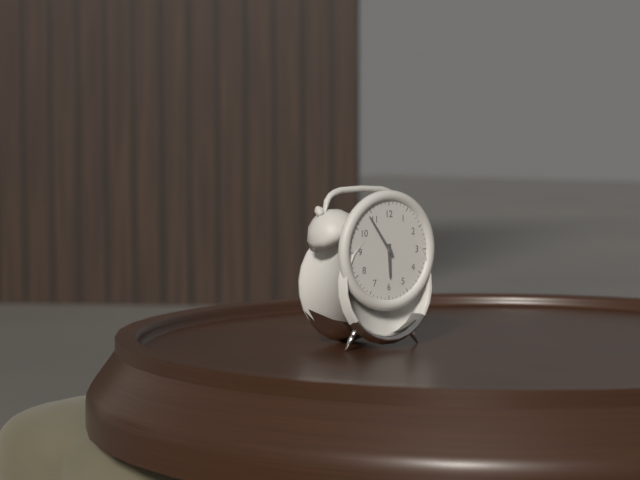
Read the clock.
5:54
